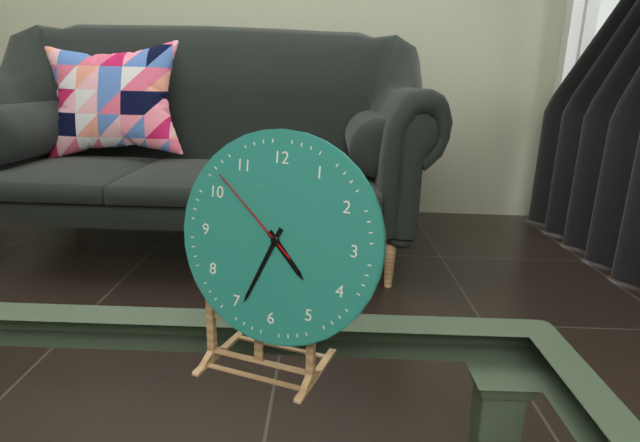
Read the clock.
4:34:52
